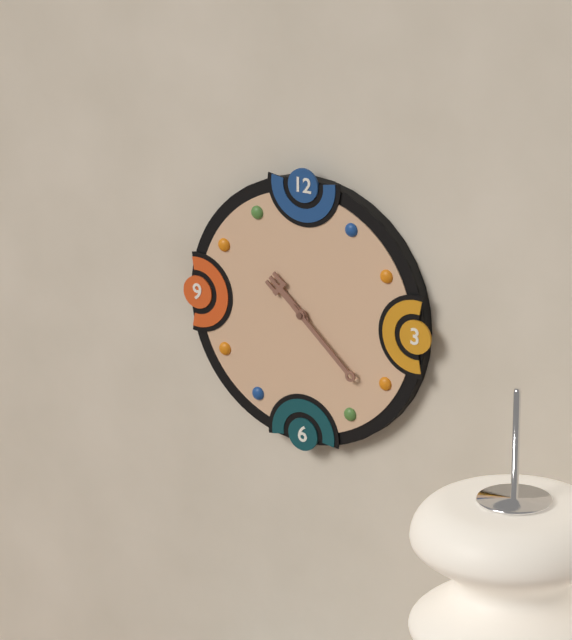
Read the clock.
10:22
